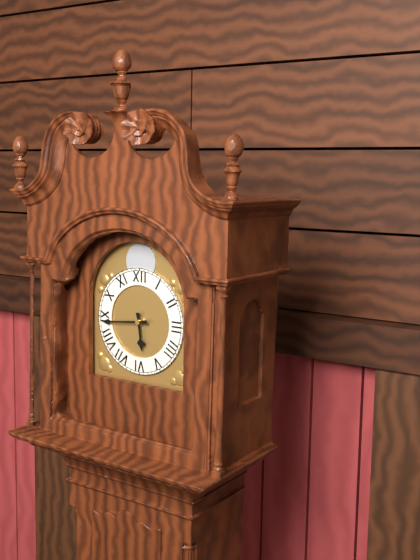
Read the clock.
5:44
